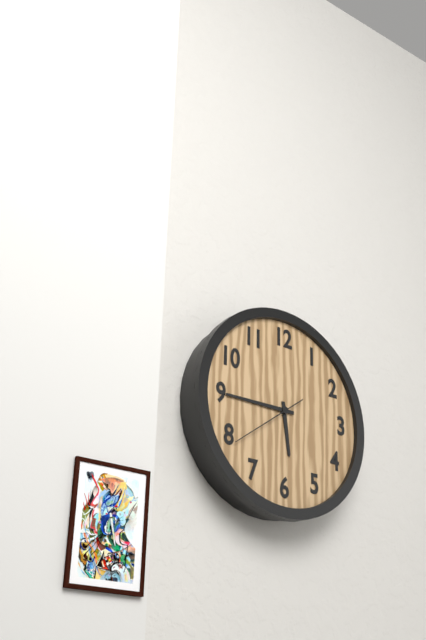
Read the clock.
5:45:39
